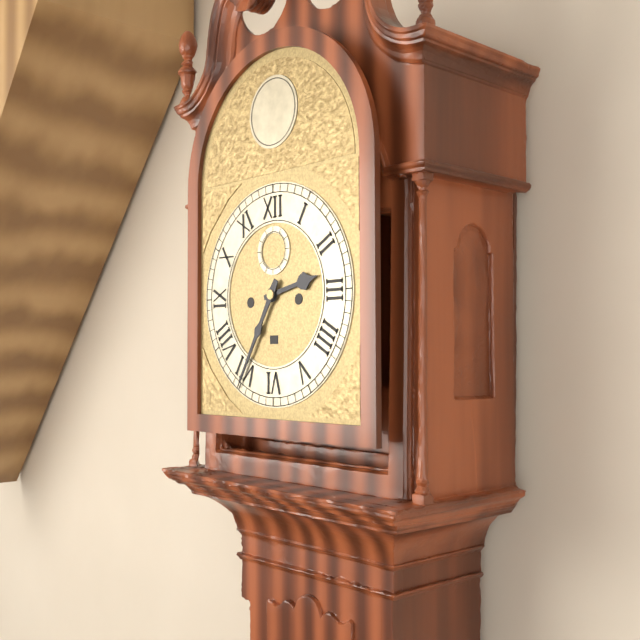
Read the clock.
2:35
